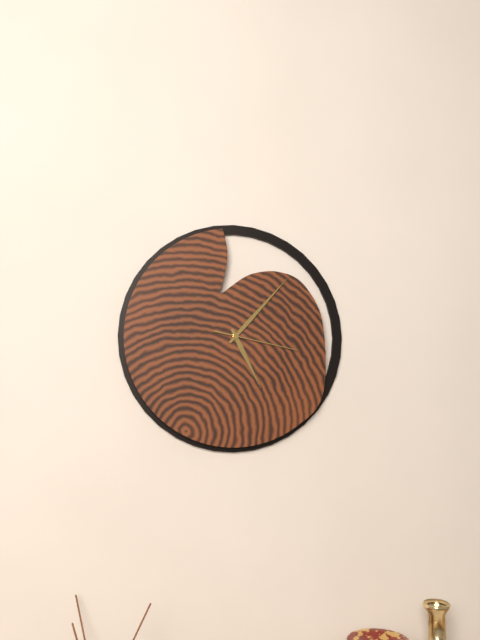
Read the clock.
5:07:17
